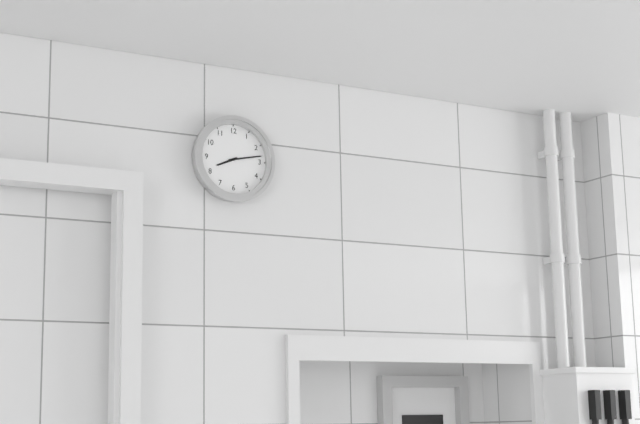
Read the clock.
8:13
